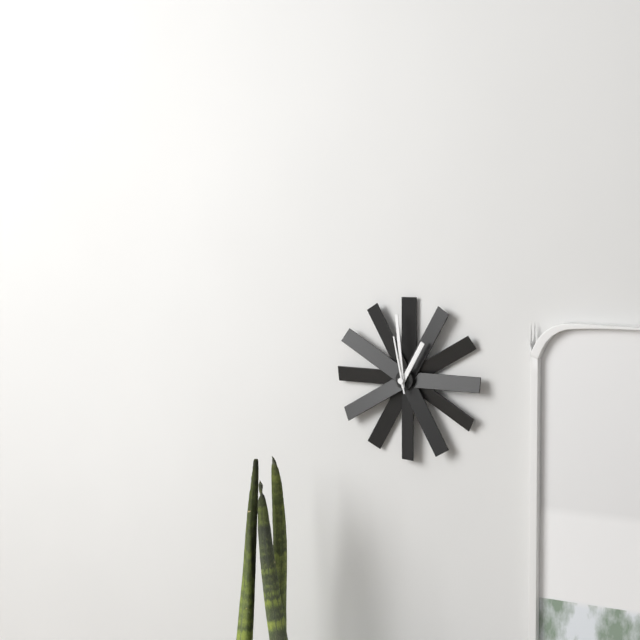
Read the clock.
12:59:58
